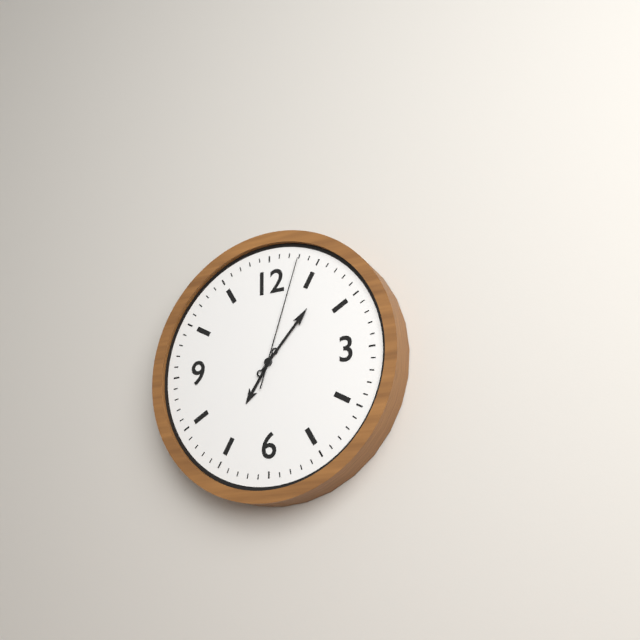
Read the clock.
7:07:03
